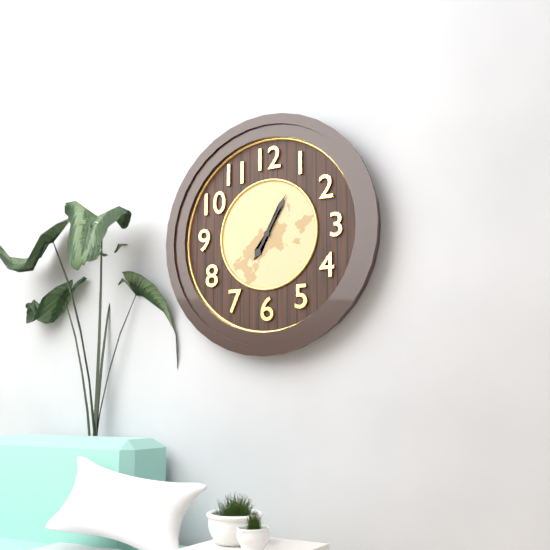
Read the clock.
7:05
